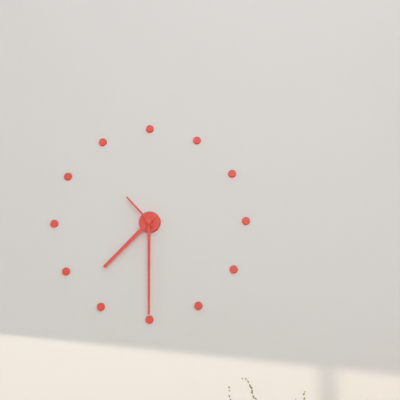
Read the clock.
7:30
